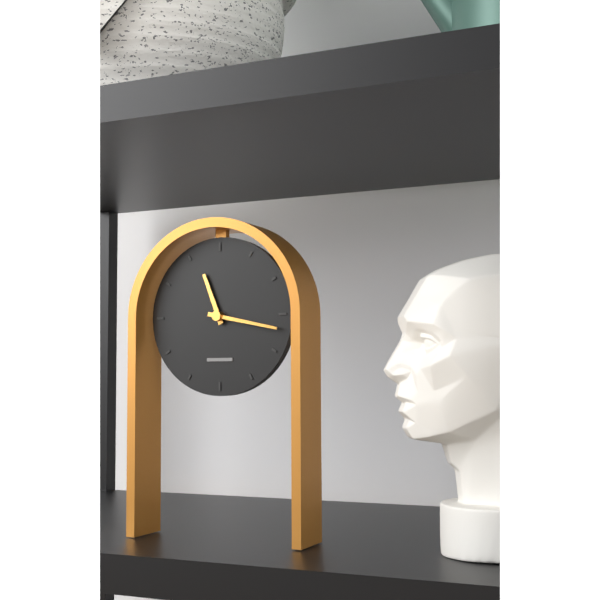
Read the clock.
11:17
